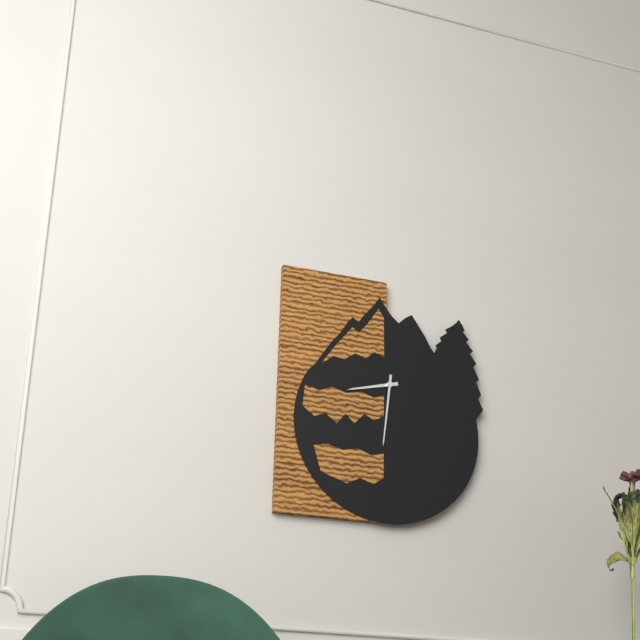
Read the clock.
8:31
